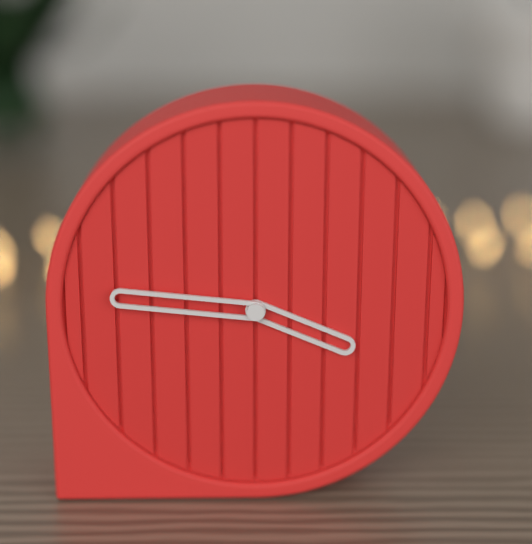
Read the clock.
3:46
